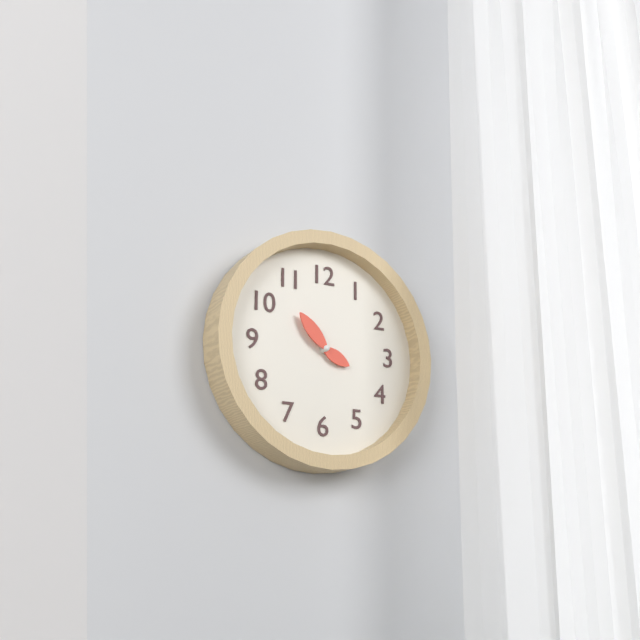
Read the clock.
3:53
